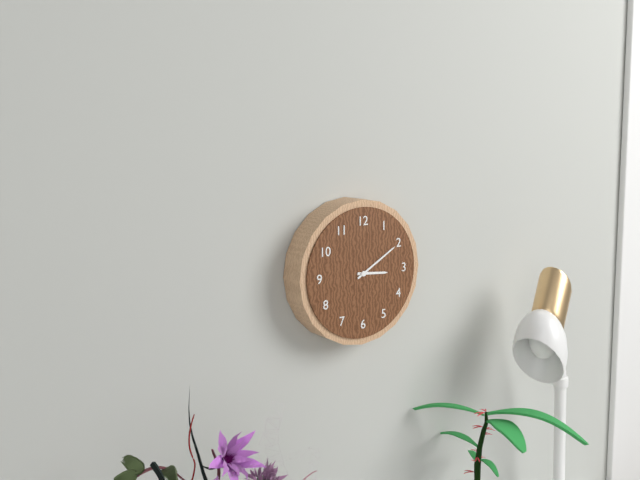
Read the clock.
3:10
